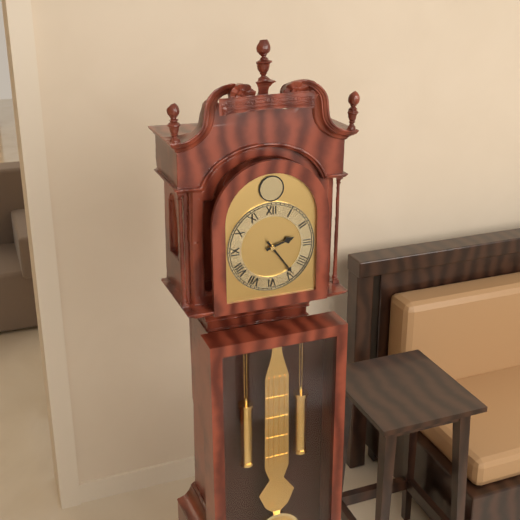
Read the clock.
2:24
